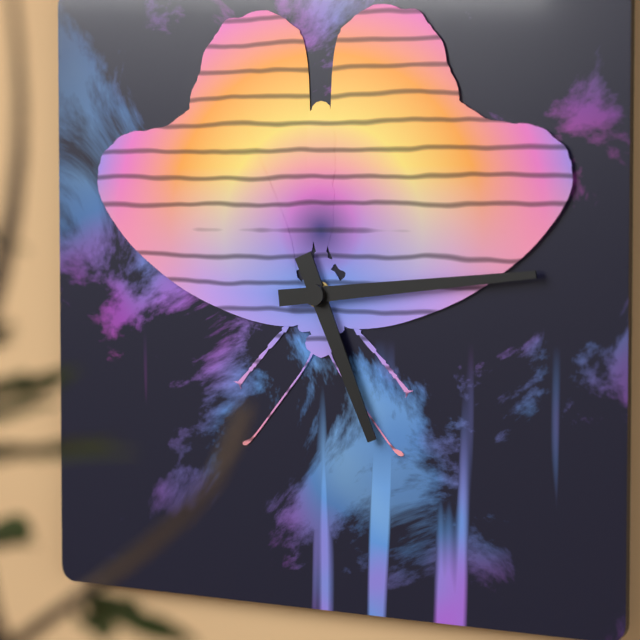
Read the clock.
5:14
